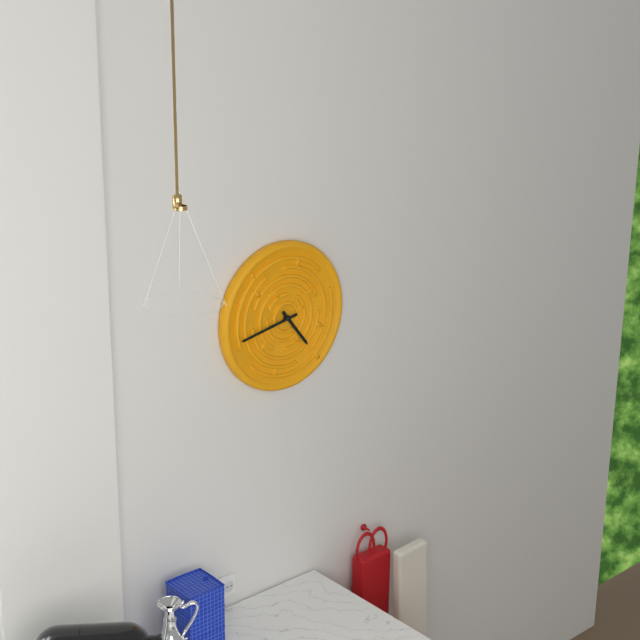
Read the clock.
4:43
